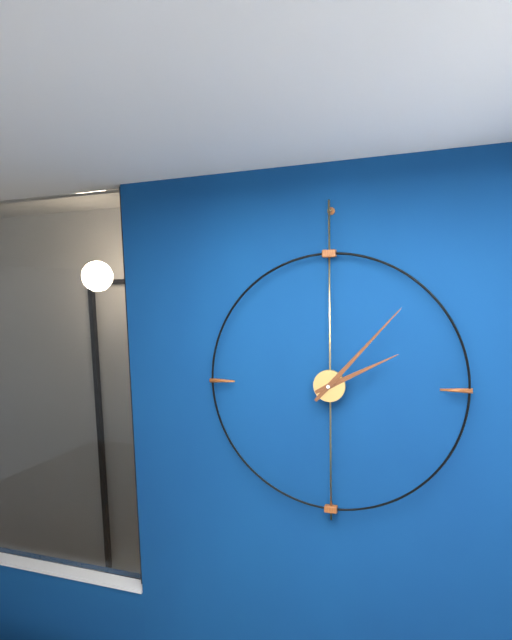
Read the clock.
2:07
